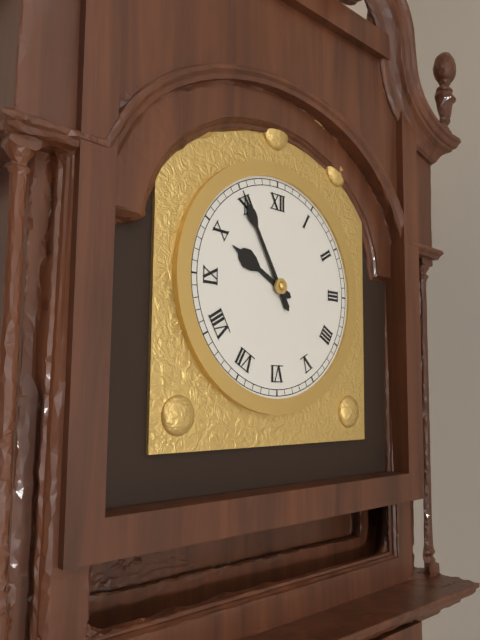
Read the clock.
9:55
